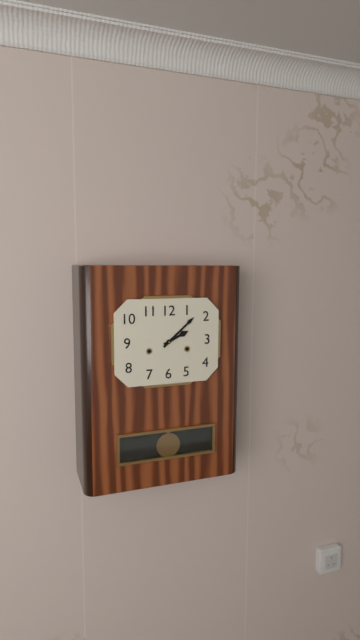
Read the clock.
2:08
